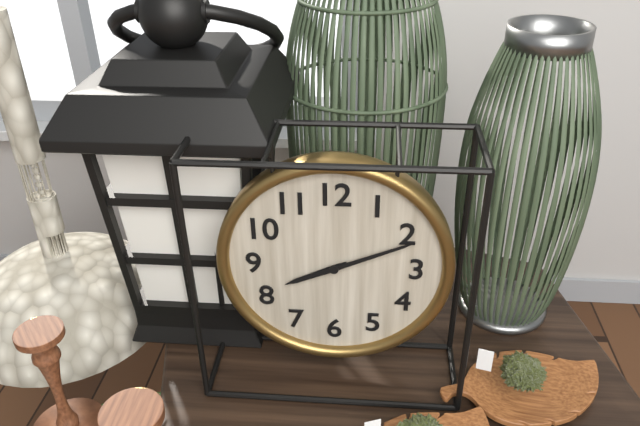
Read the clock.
8:11
